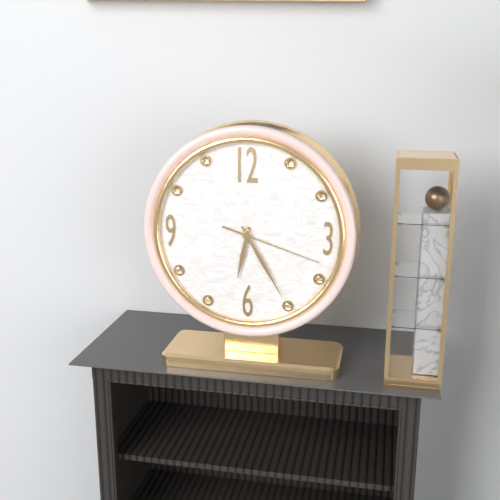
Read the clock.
6:25:18
